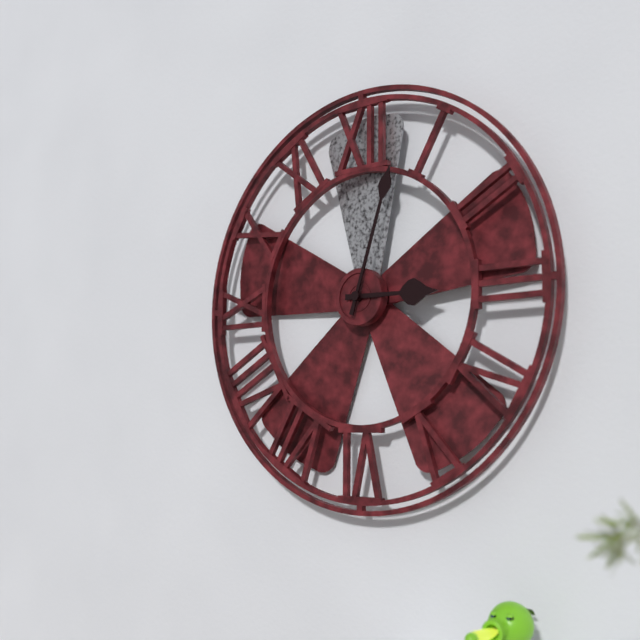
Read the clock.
3:03
